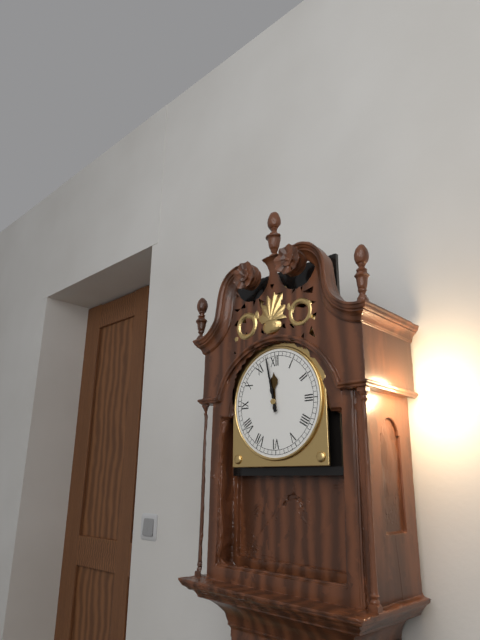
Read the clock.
11:58
